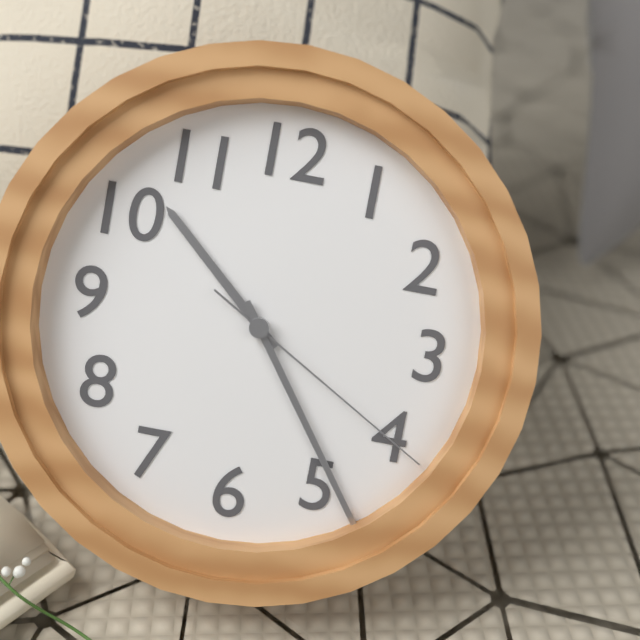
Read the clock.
10:24:20
